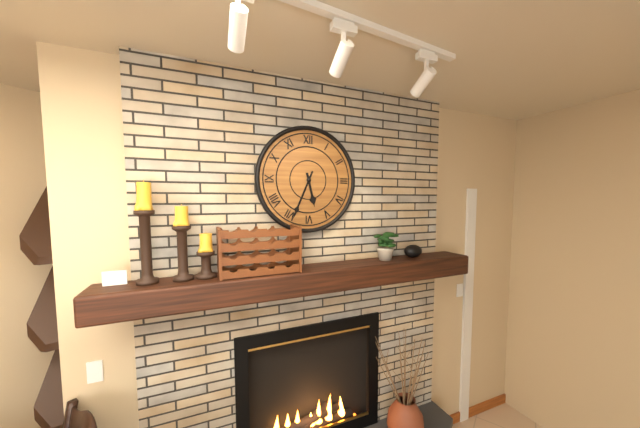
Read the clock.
5:34
